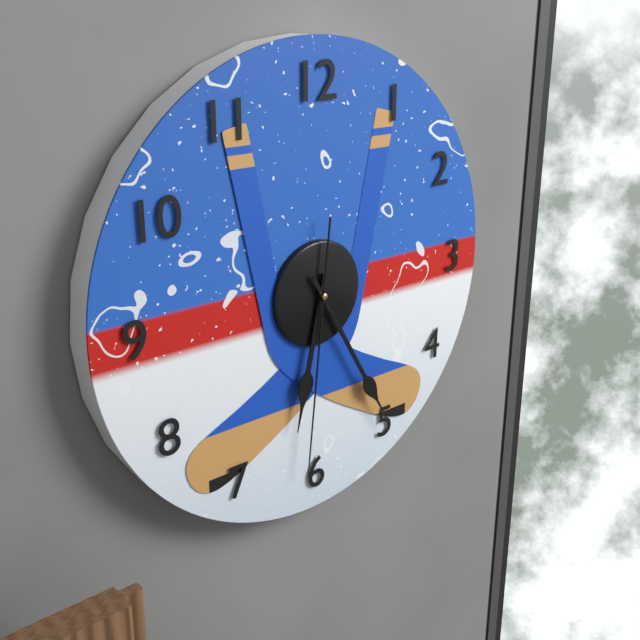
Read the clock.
6:25:31
